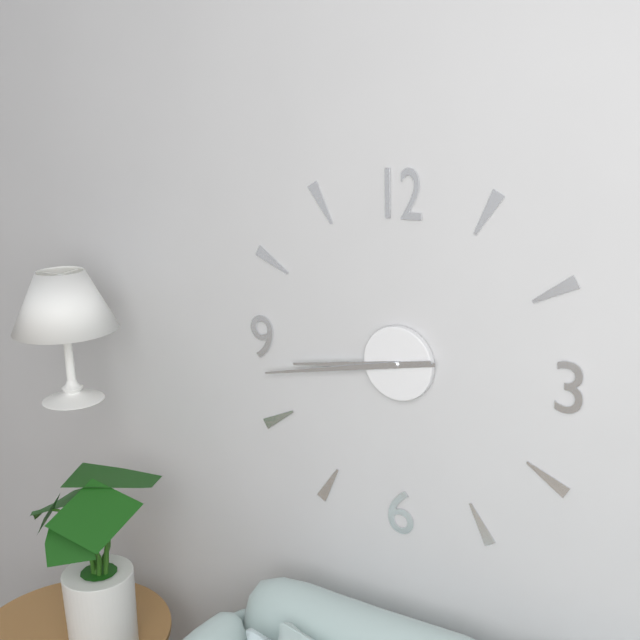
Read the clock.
8:43
